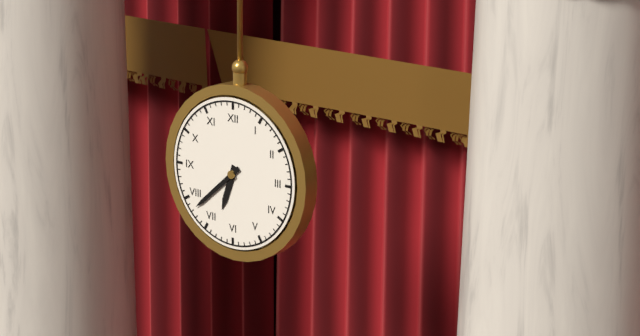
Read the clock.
6:38
